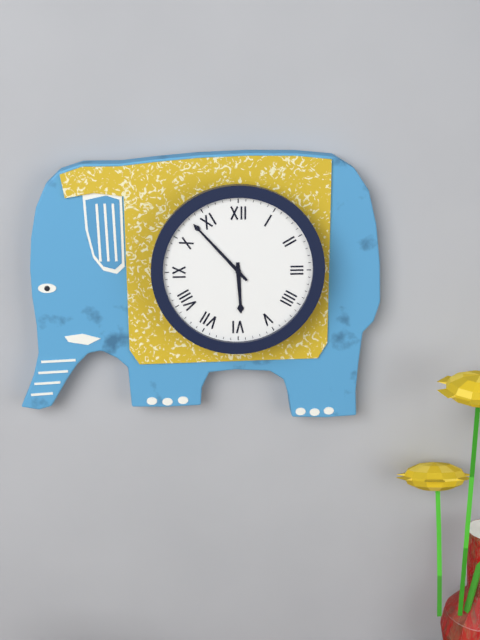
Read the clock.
5:53
